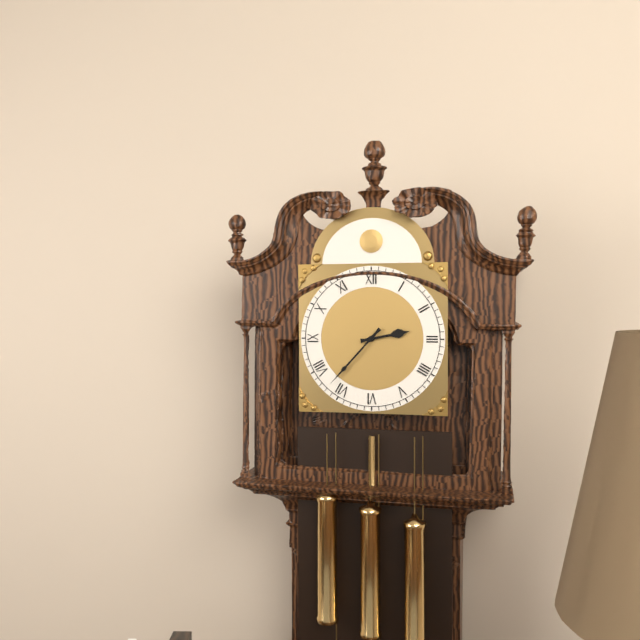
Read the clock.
2:37
